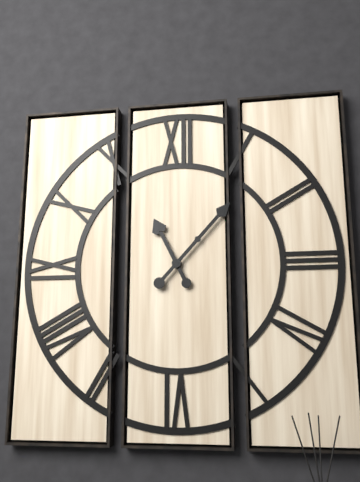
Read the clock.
11:07
